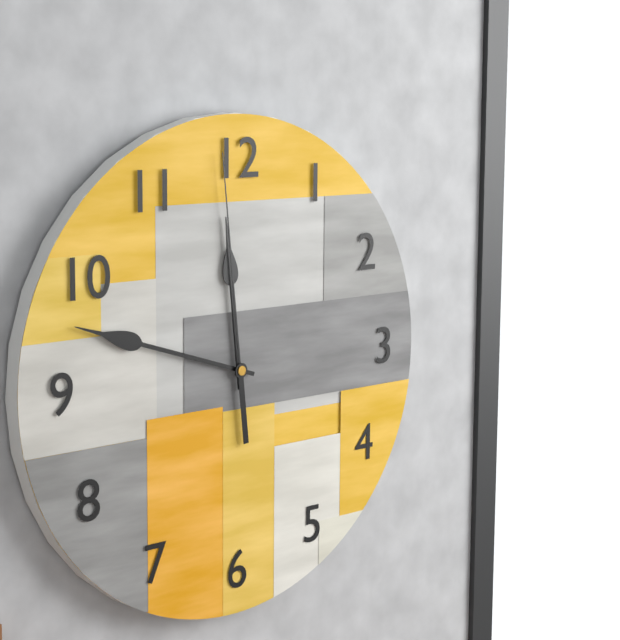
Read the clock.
11:48:59
